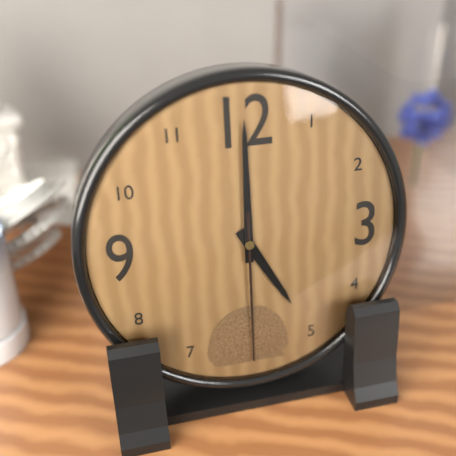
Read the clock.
5:00:30
